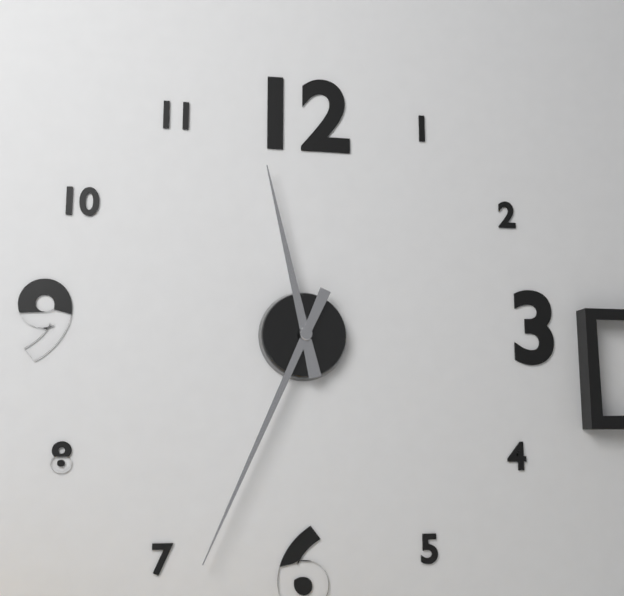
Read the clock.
11:34
